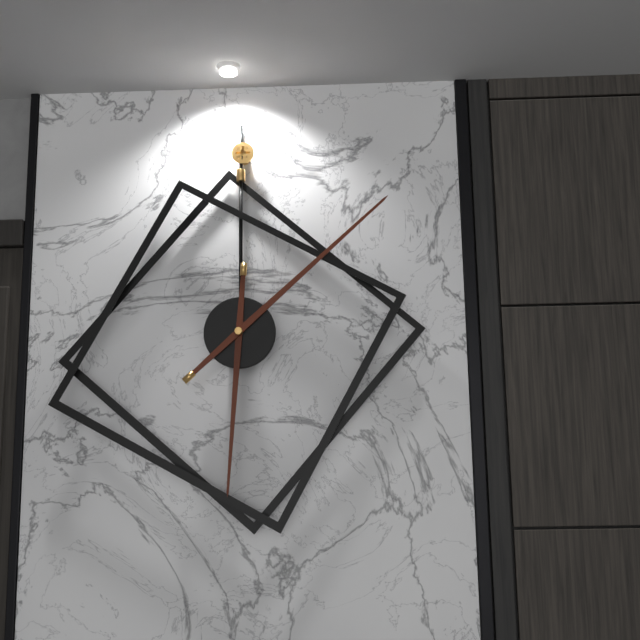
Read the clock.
6:08
